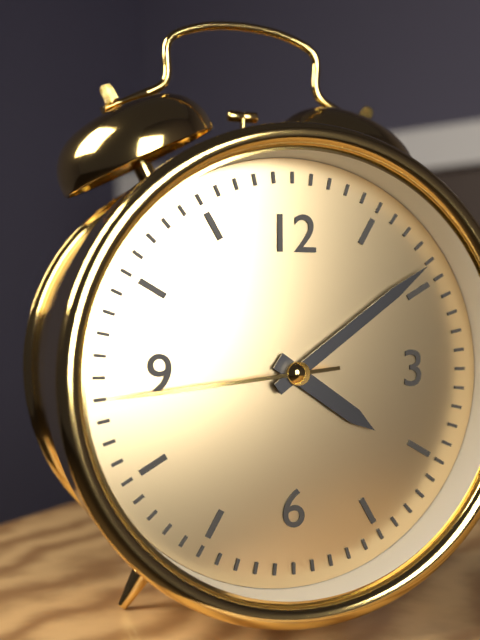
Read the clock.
4:09:44
